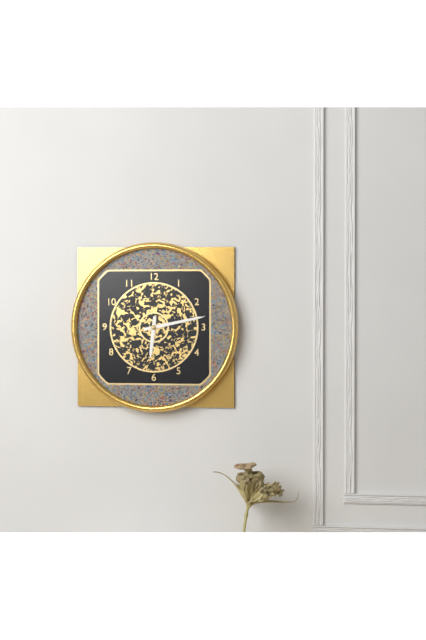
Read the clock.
6:13
